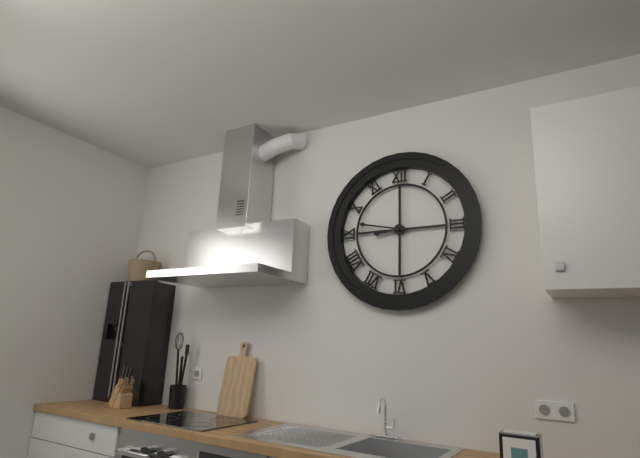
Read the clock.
8:47
